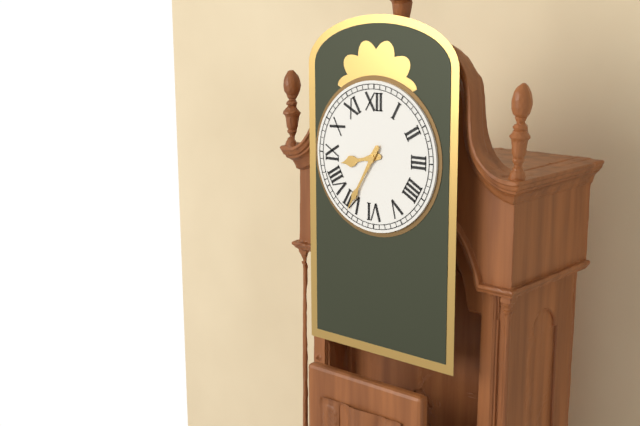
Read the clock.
8:35
